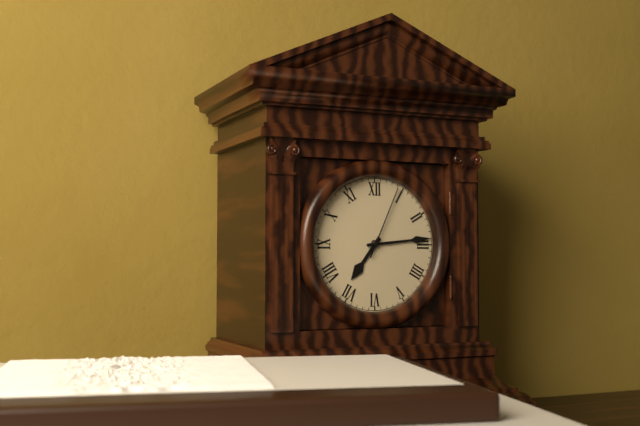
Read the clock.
7:14:04
